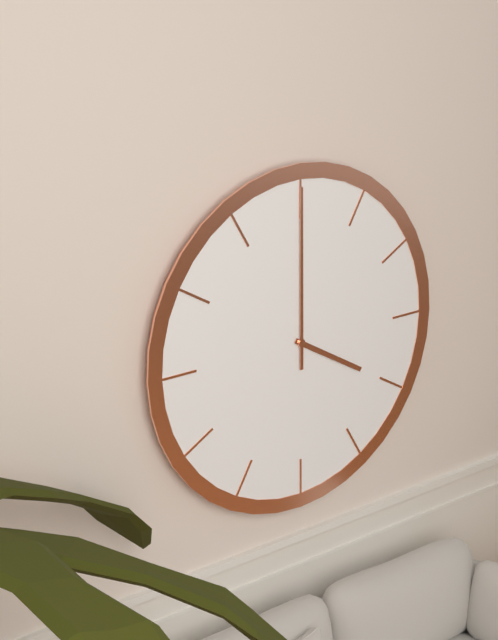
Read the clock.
4:00
